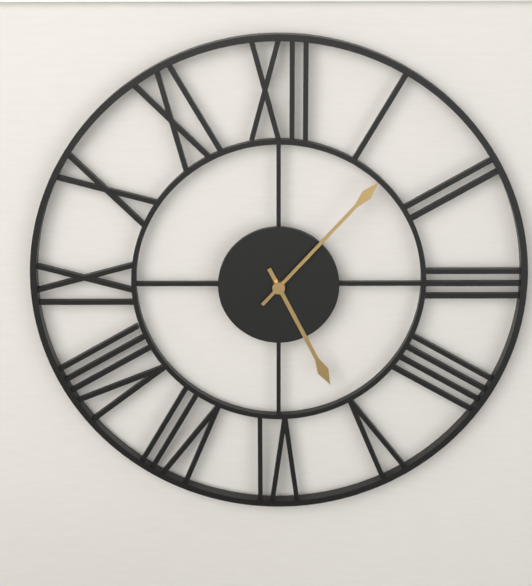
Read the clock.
5:07
